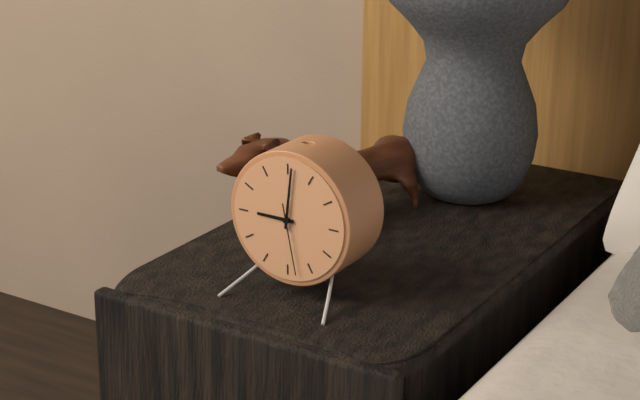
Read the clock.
9:01:28
